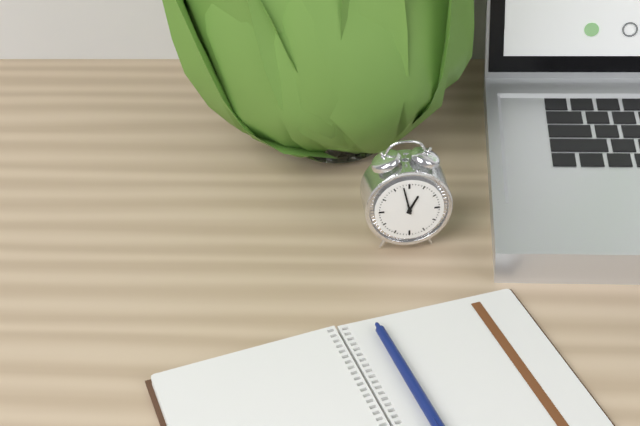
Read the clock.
12:58
